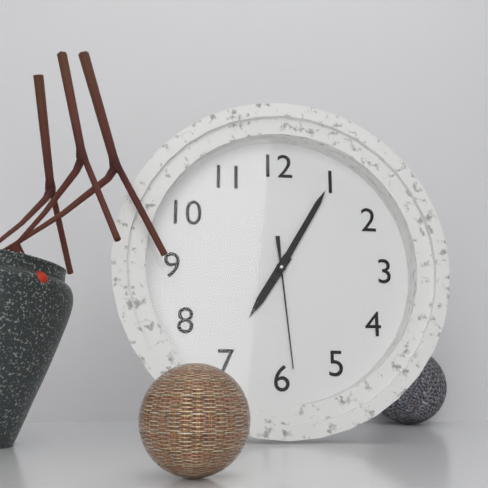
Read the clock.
7:05:29
